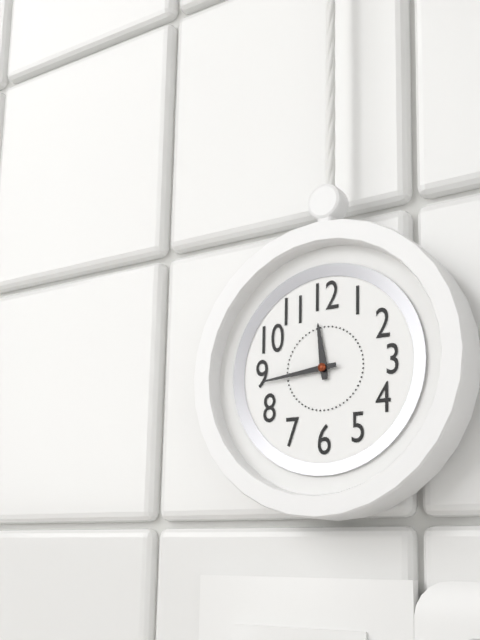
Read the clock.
11:44
